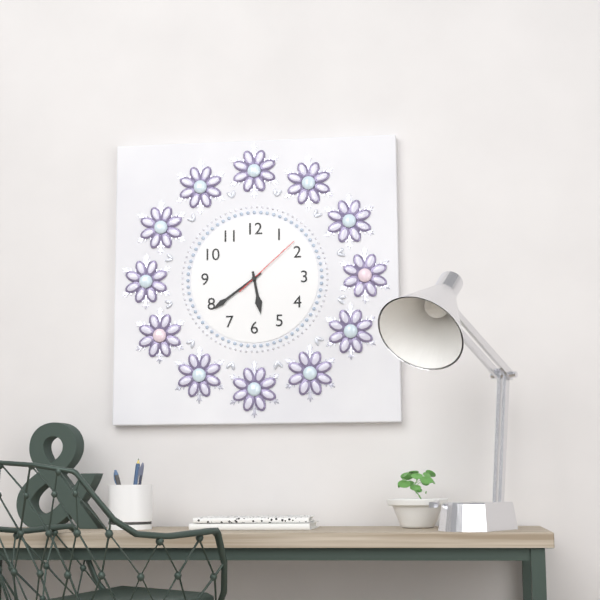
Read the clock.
5:39:08
